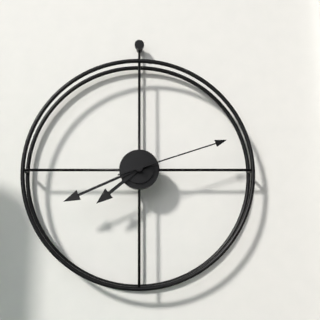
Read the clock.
7:41:12
